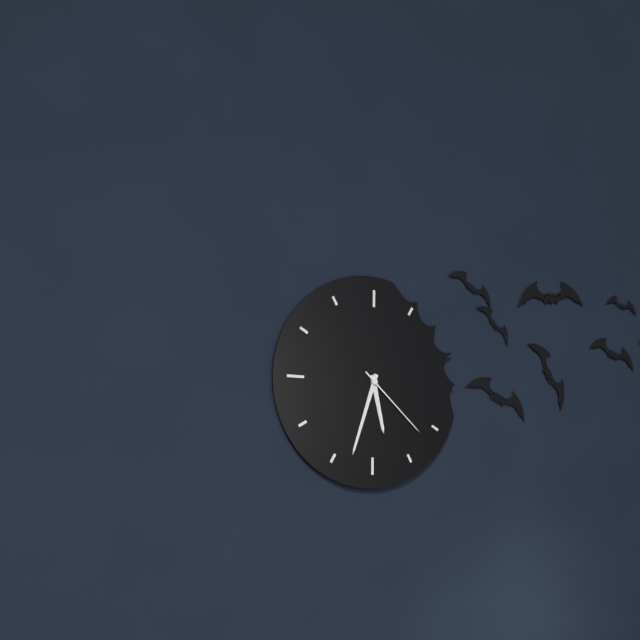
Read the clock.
5:33:22
